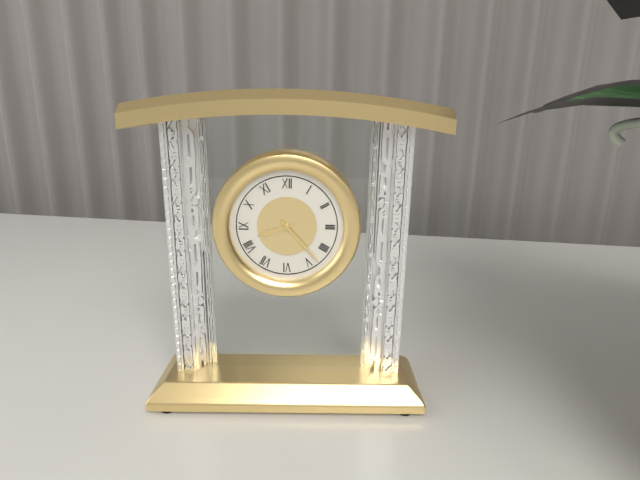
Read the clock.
8:23
